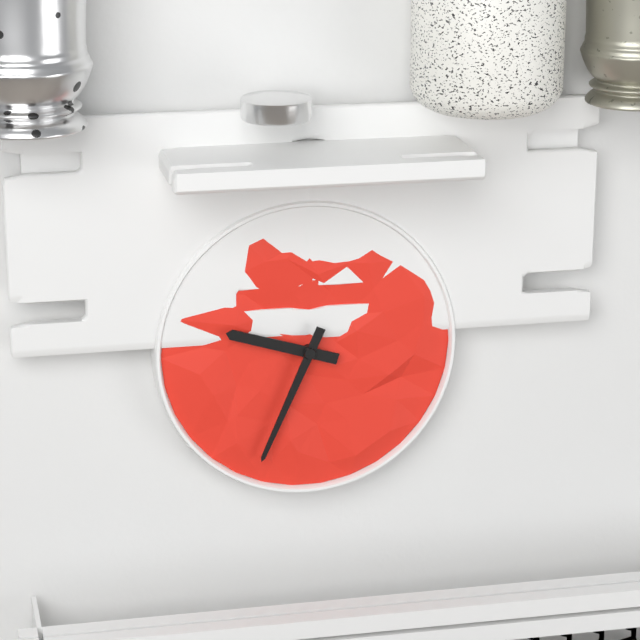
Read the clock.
9:34
